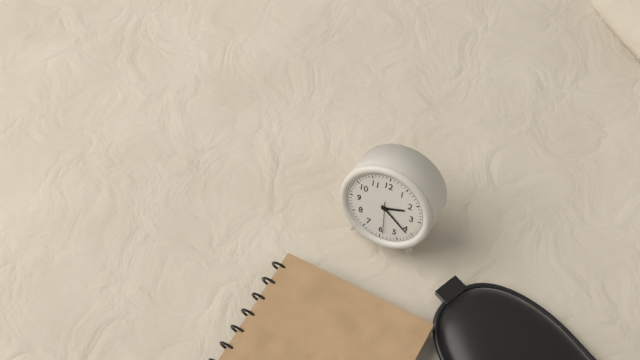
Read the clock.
2:21
